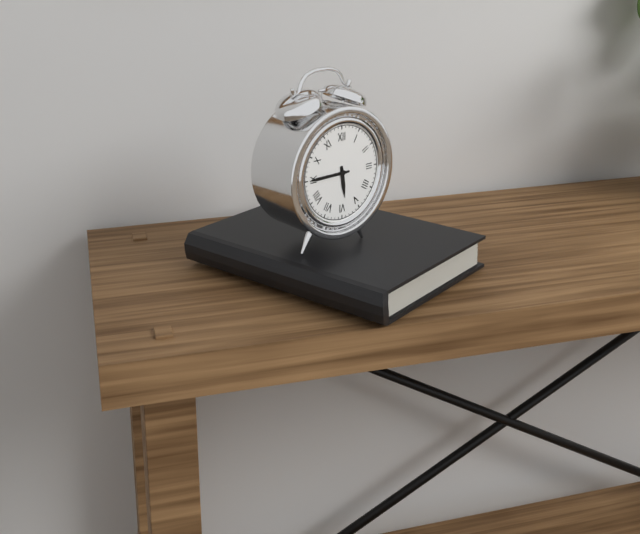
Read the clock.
5:45
